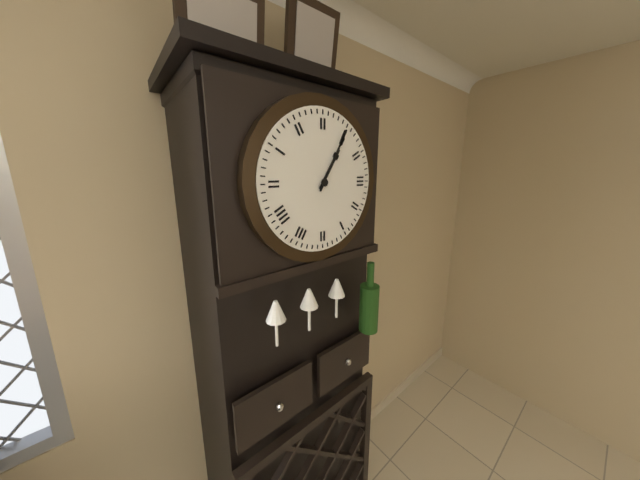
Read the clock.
1:05
